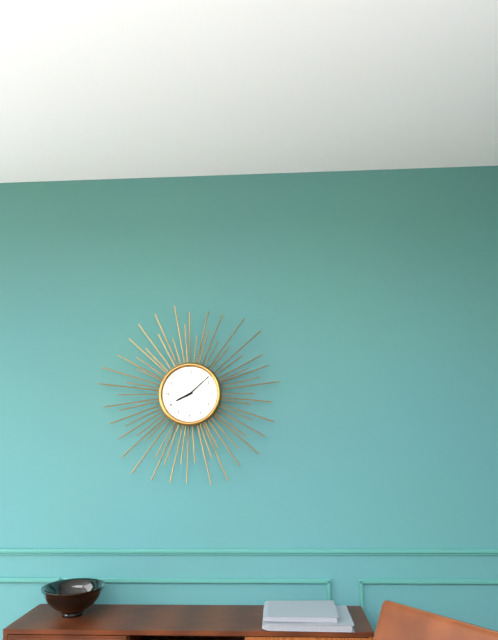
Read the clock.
8:08
